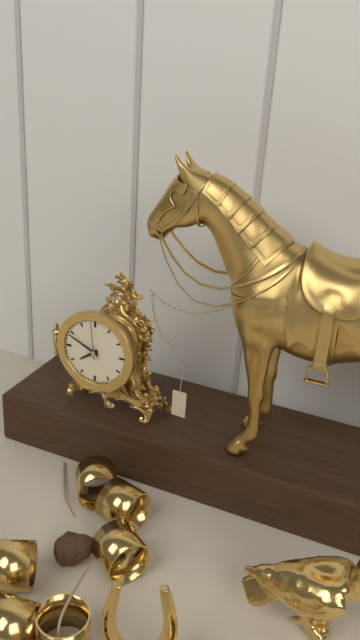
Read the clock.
7:49
